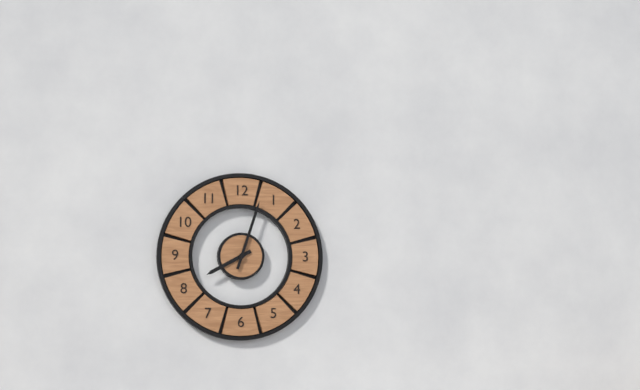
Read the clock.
8:03
